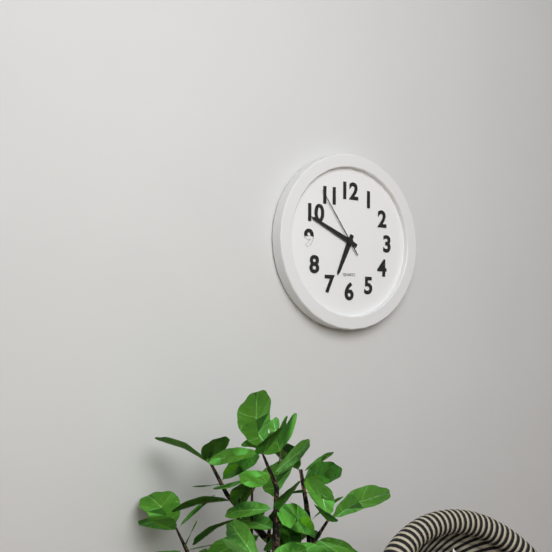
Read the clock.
6:49:54
